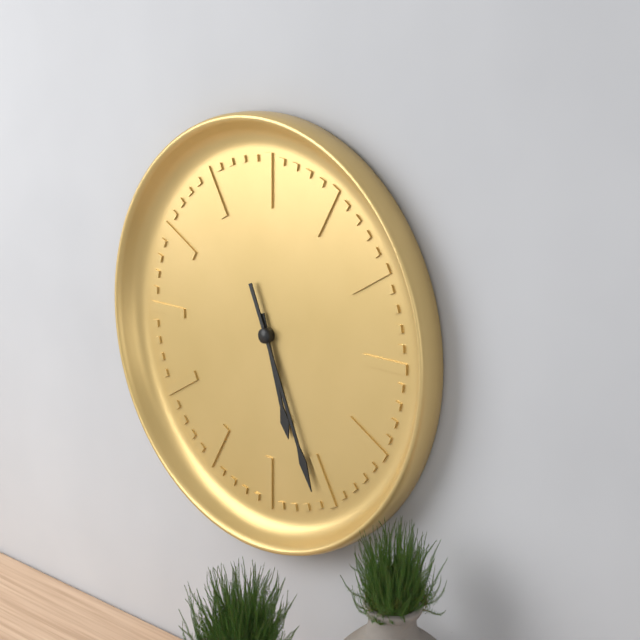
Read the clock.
5:26
